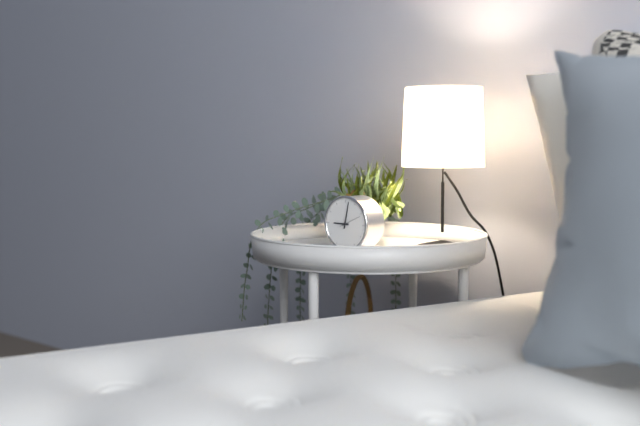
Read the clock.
9:02
